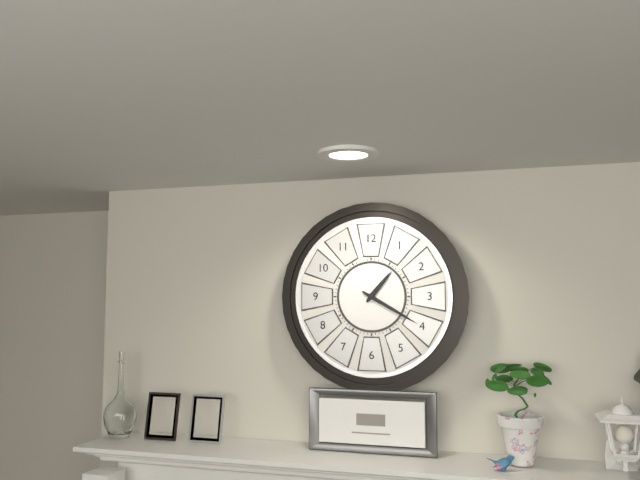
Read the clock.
1:20
